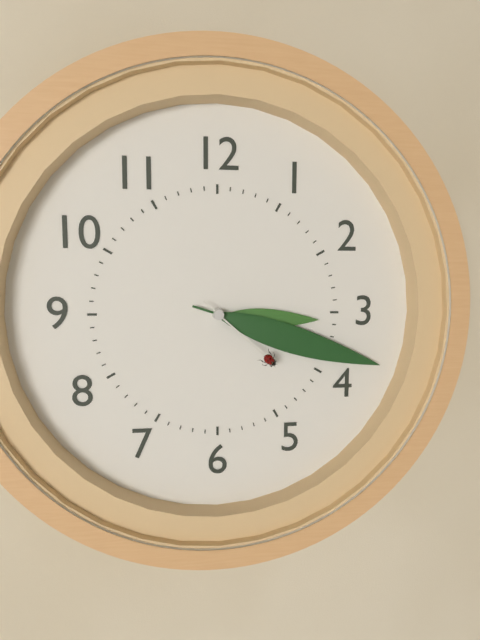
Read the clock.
3:18:22
